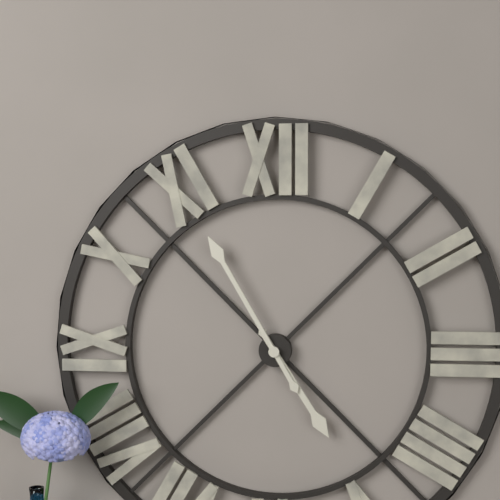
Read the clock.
4:55
